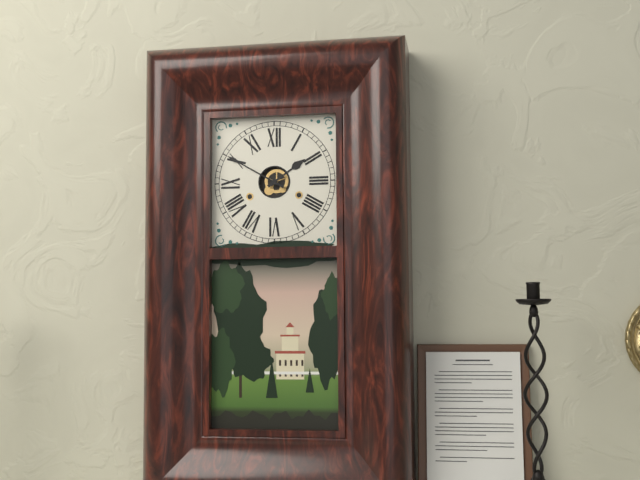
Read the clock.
1:50
